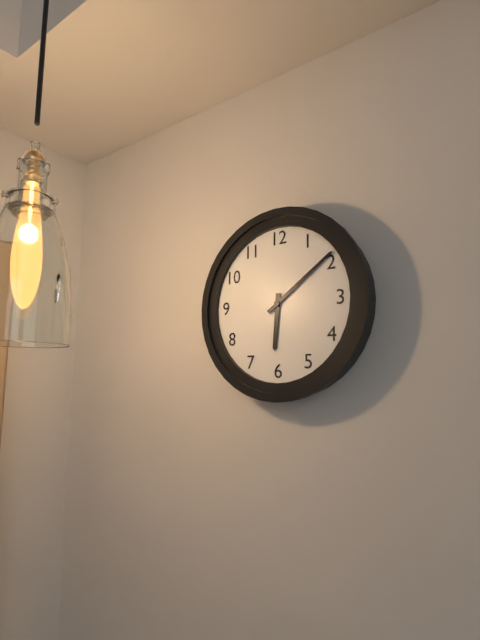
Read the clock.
6:09
